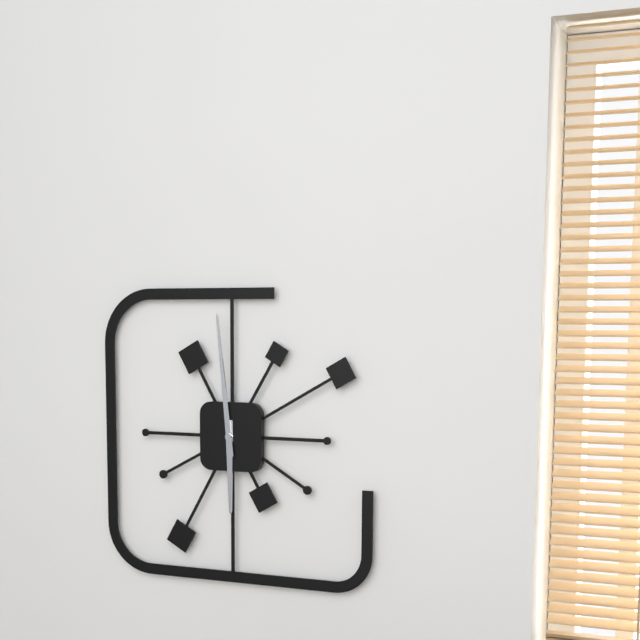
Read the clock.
5:59
